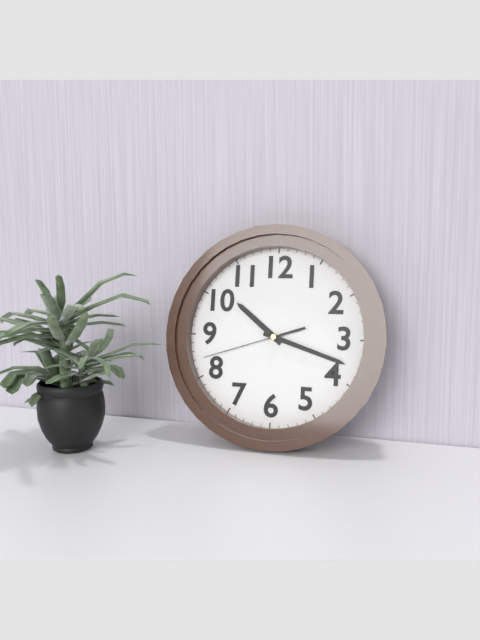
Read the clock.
10:18:42
